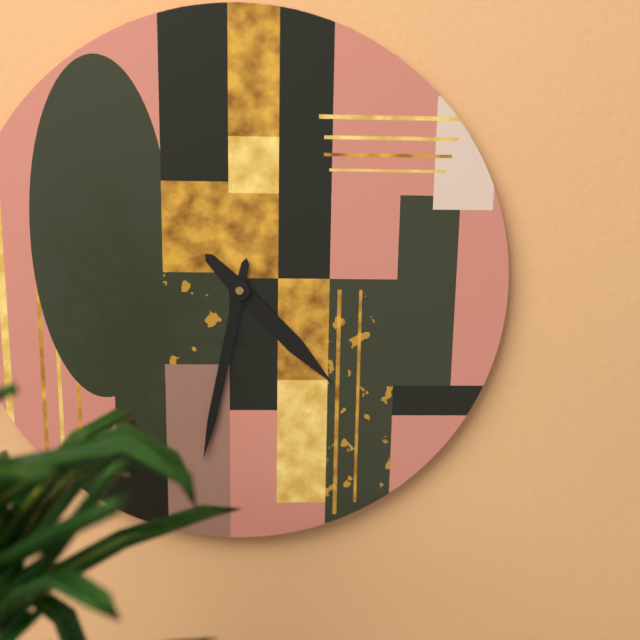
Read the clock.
4:32
